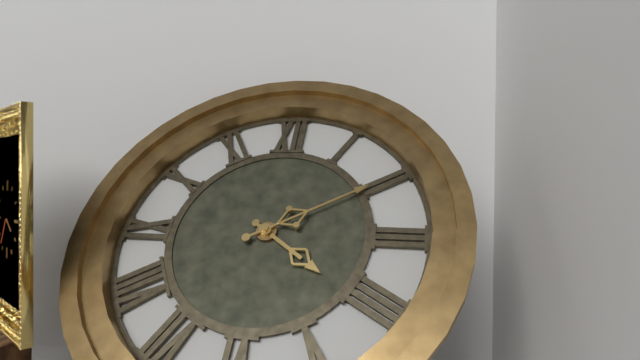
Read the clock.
4:10
